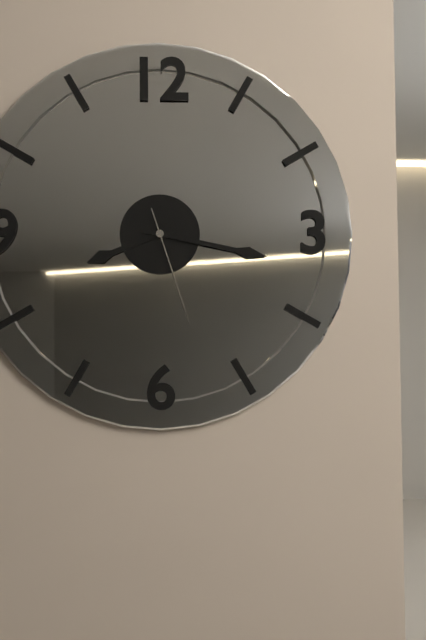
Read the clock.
8:17:27
